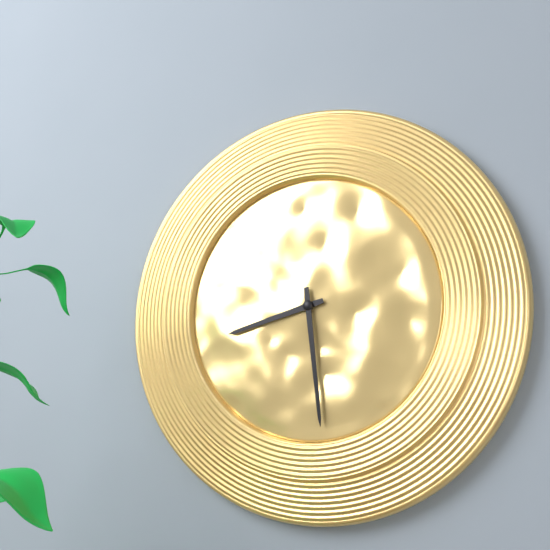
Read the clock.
8:29
